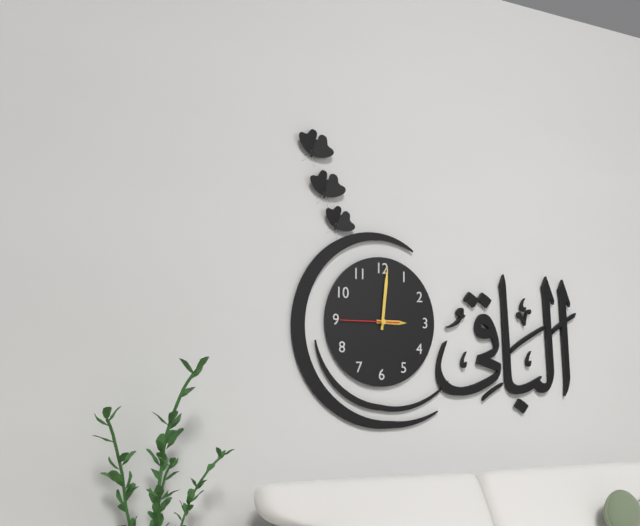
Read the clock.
3:01:45
